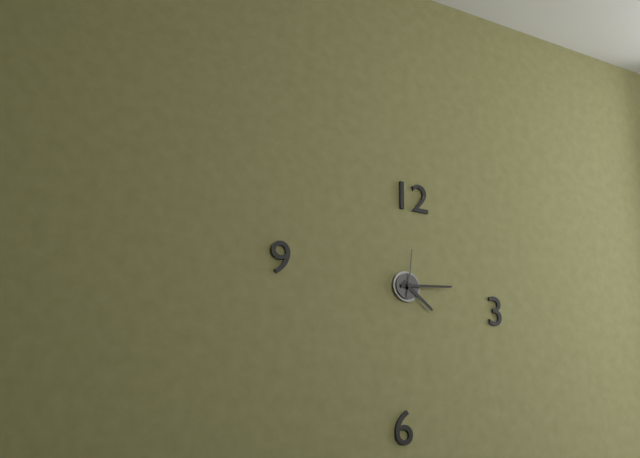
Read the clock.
4:14
